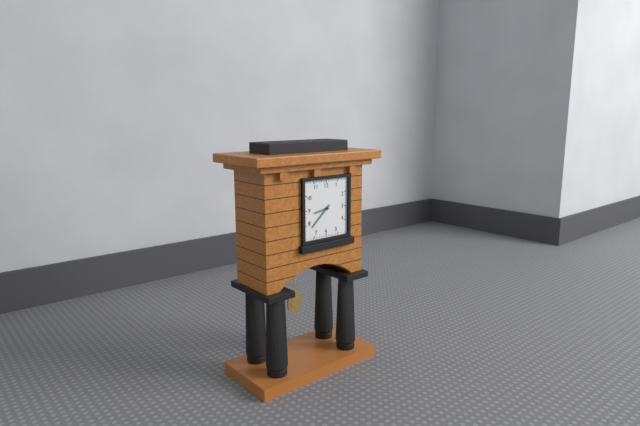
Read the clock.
8:38
